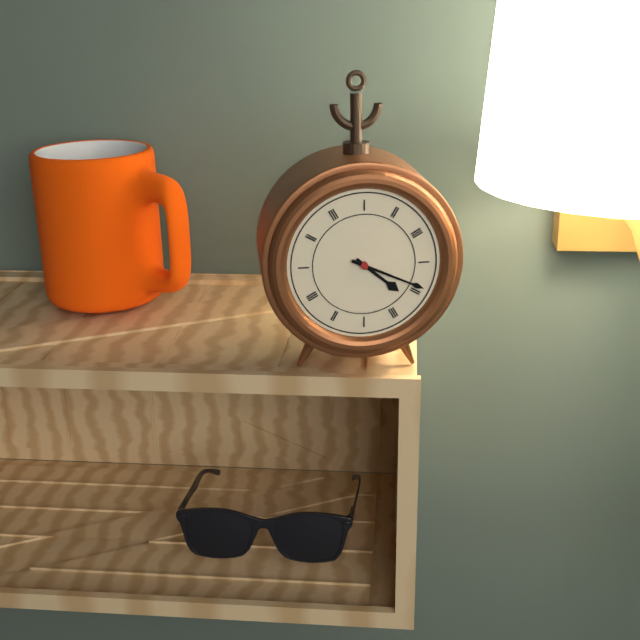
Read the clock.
4:19
